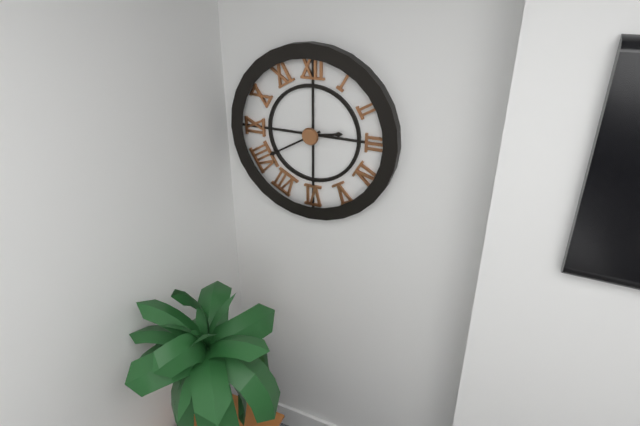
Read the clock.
2:40
